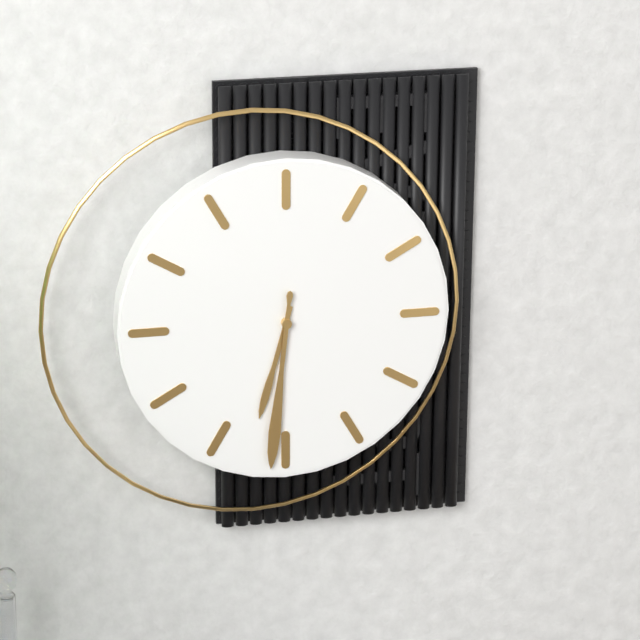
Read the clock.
6:31
